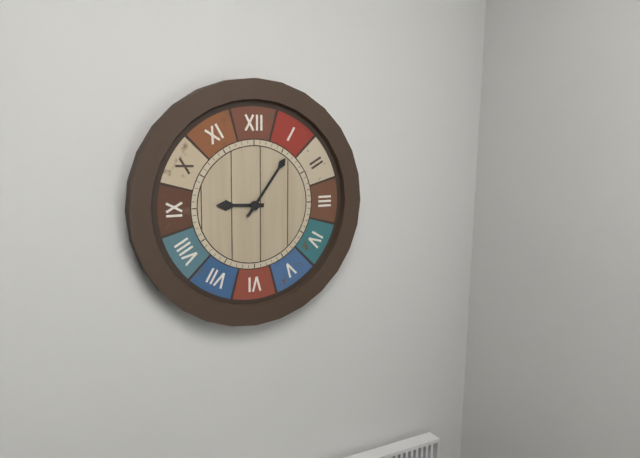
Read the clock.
9:06
